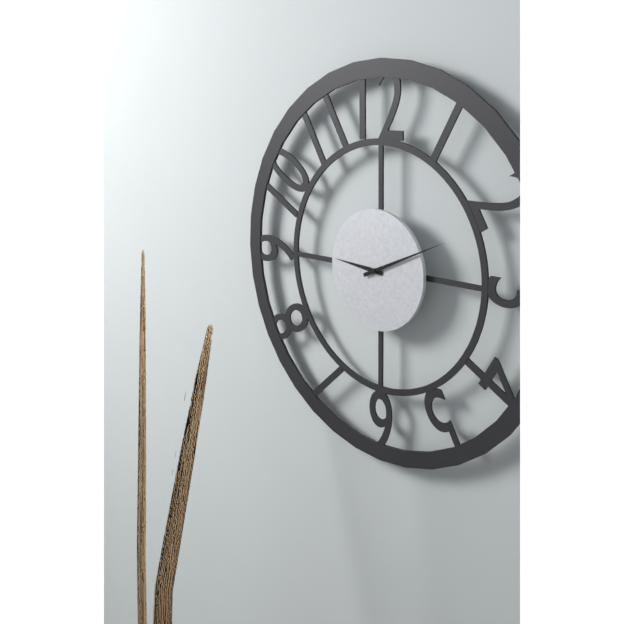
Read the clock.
9:11
